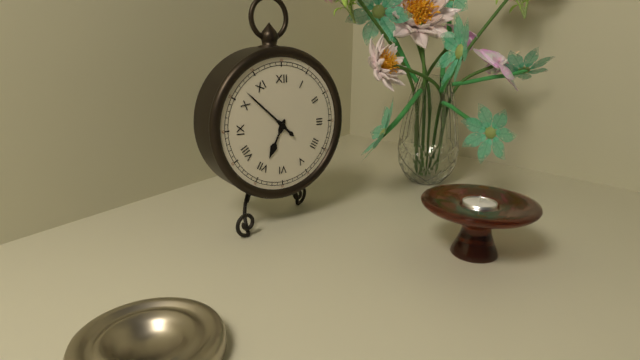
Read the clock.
6:52
